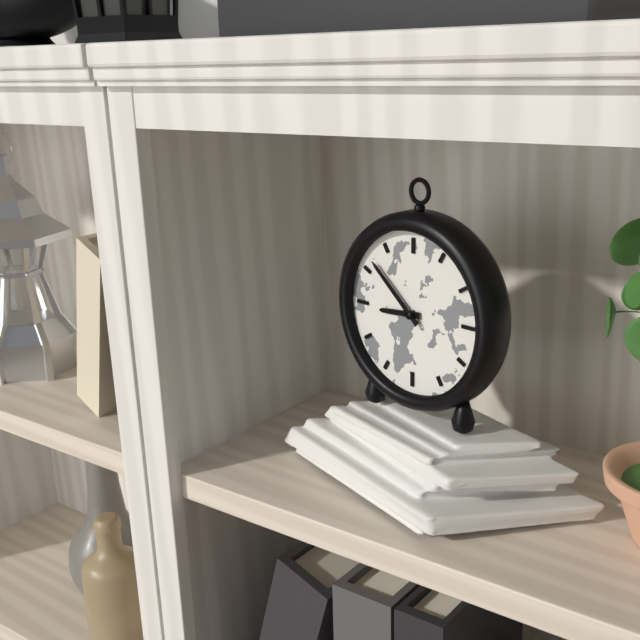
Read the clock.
8:52
